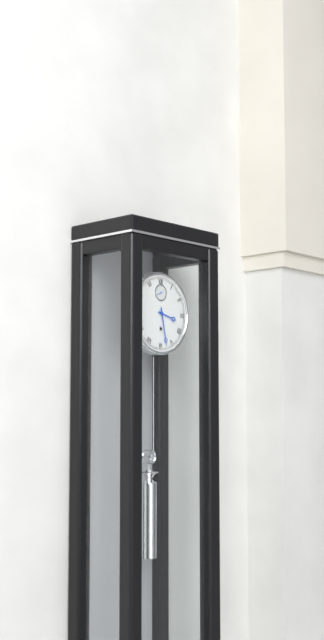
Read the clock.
3:28
